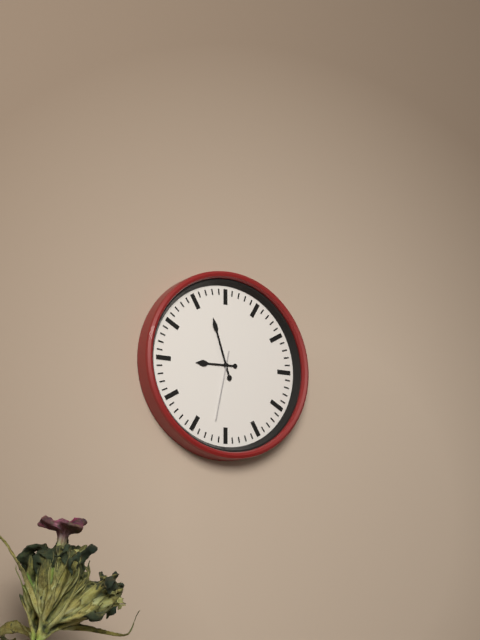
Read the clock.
8:57:32
